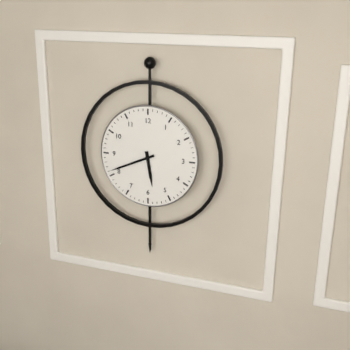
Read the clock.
5:41
